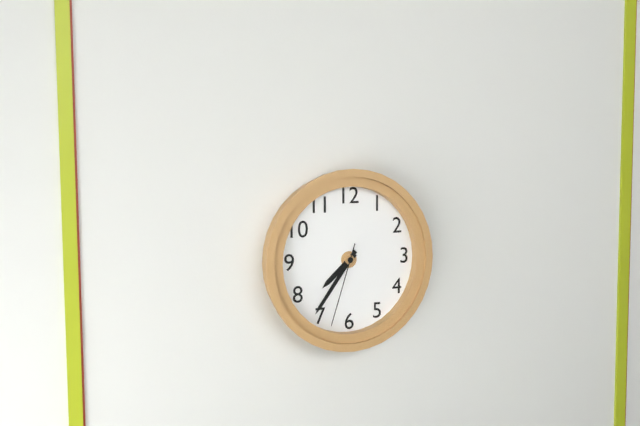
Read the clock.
7:36:33
